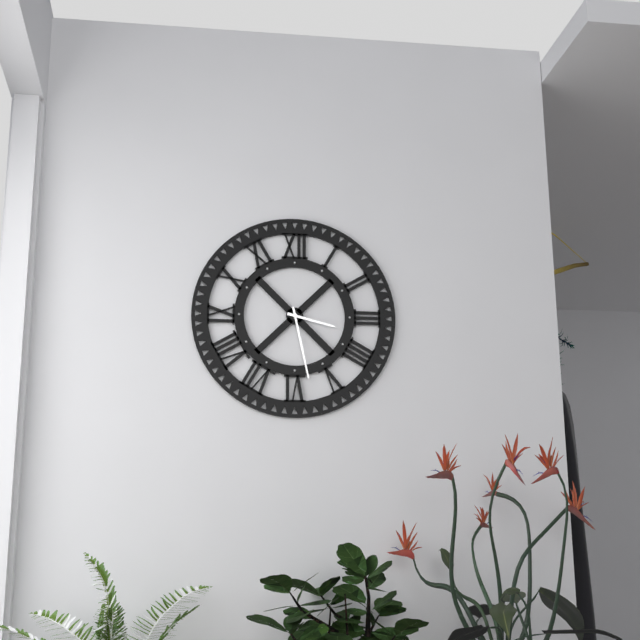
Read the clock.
3:28
